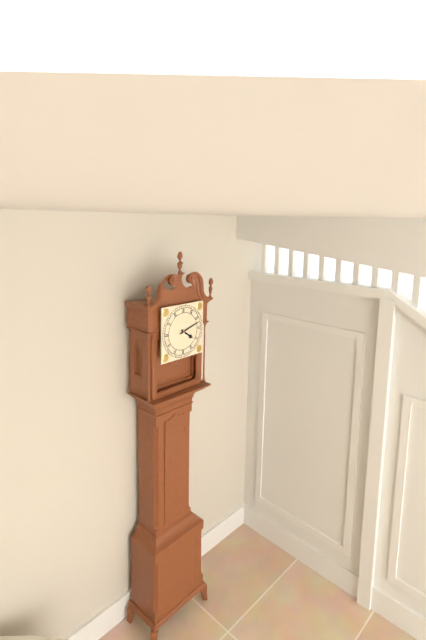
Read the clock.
4:12
